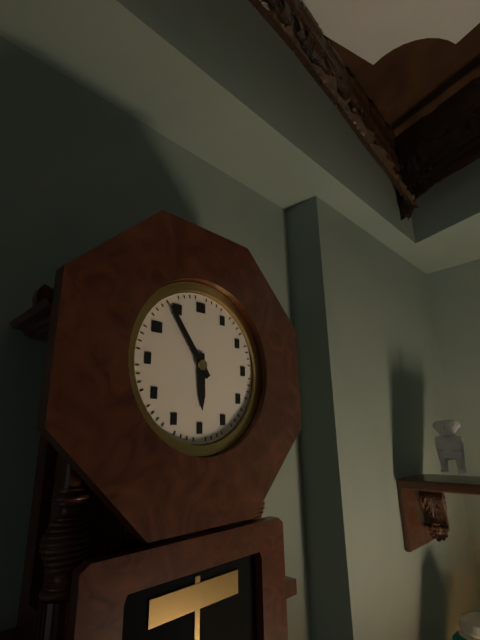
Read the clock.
5:54
